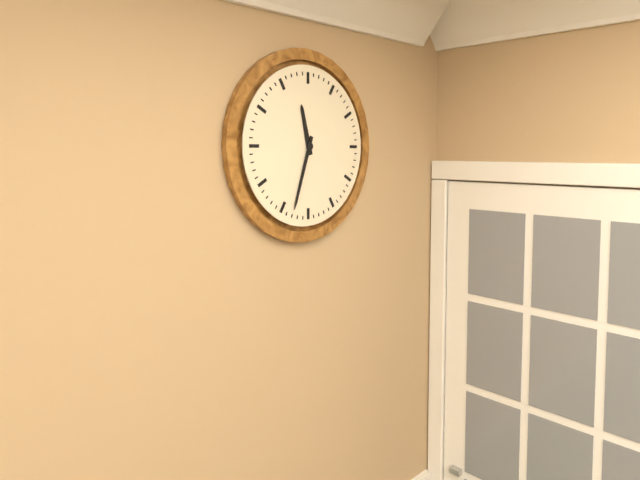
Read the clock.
11:33
